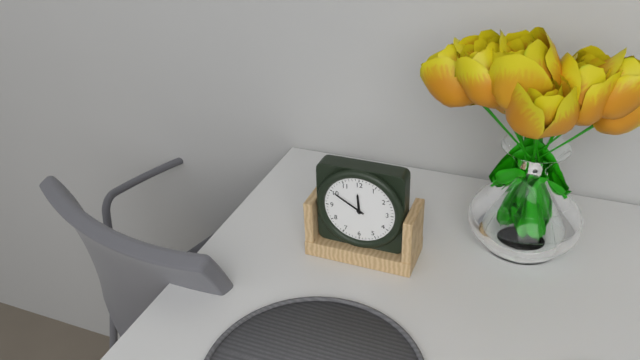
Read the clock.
11:50
